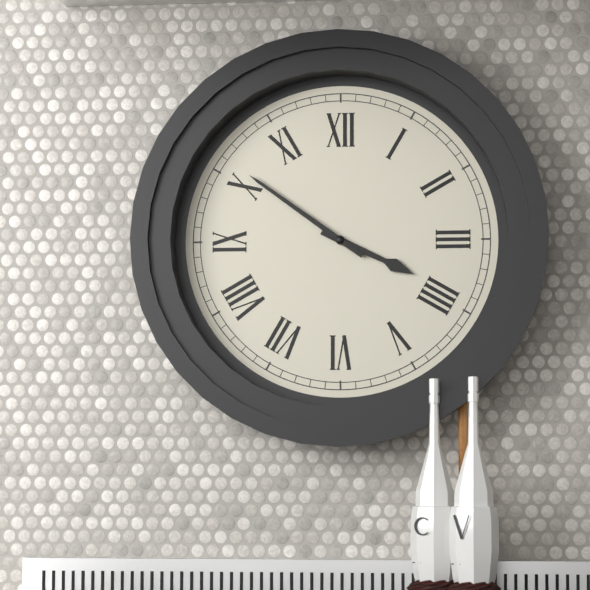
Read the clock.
3:51
